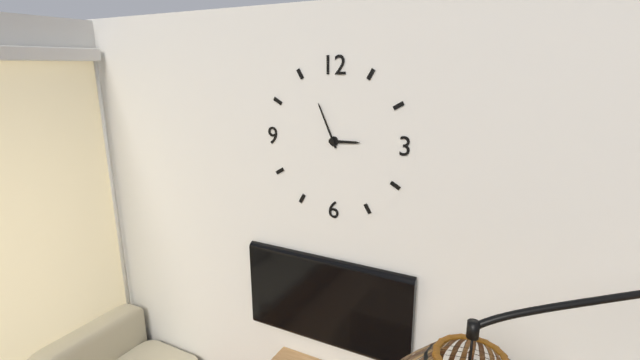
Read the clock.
2:56
